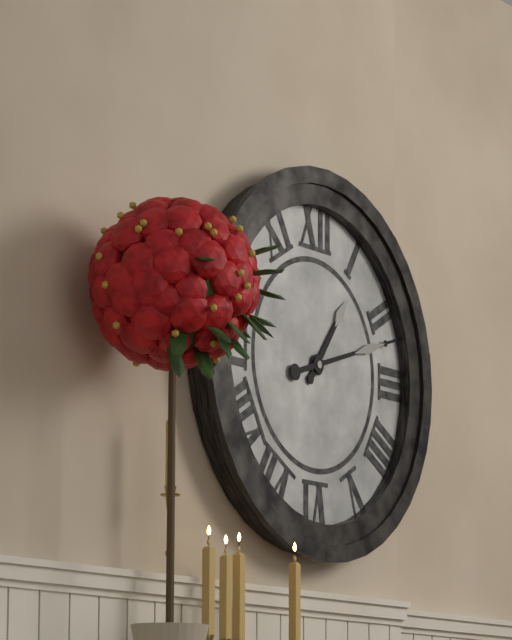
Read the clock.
1:12
